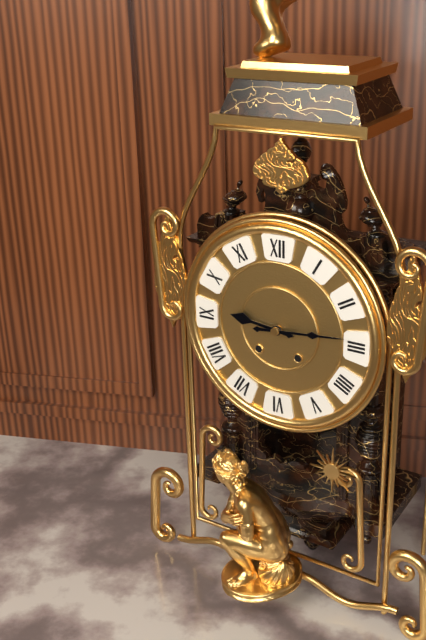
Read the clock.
9:14
